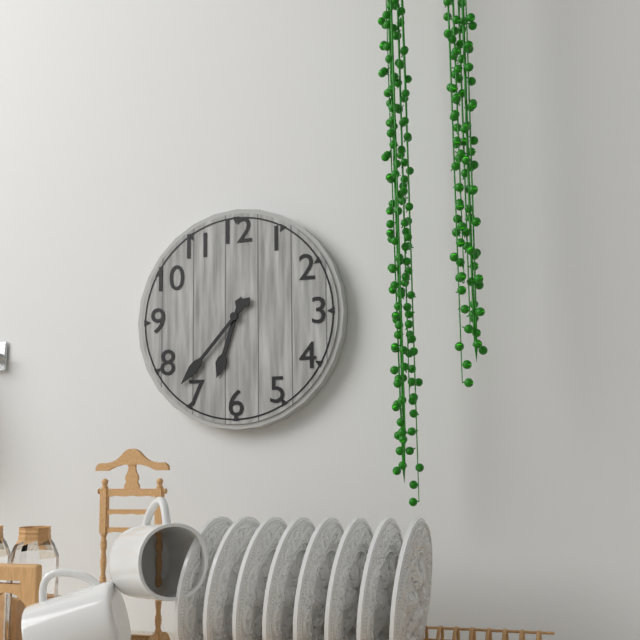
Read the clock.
6:37
